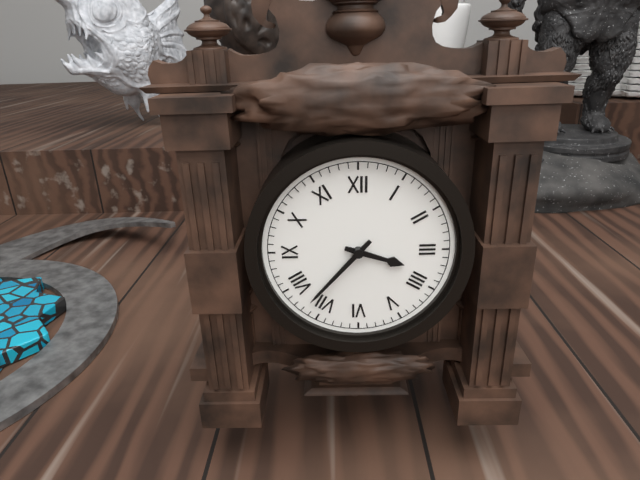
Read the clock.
3:37
